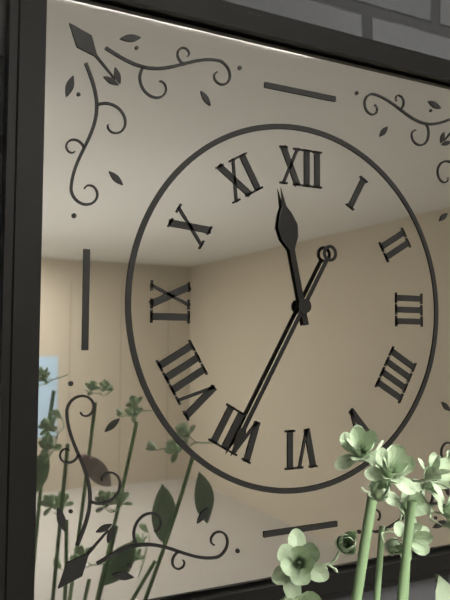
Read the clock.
11:35
